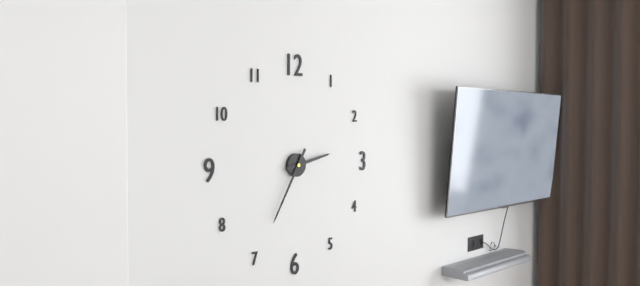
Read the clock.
2:35
